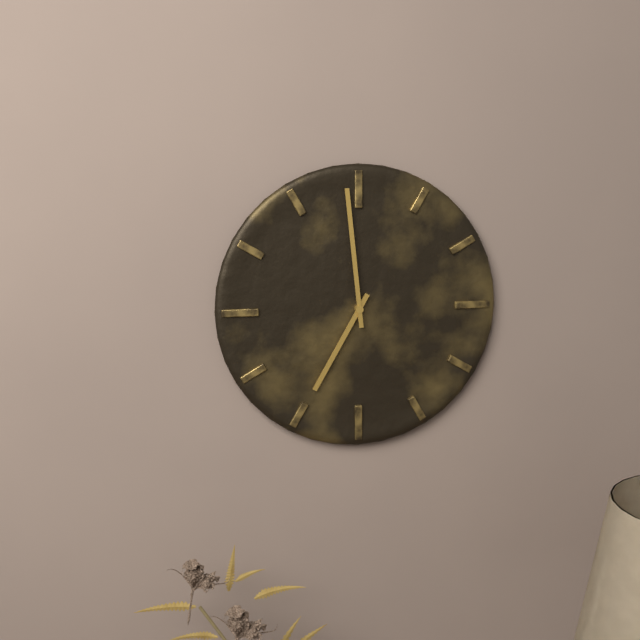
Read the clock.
6:59
